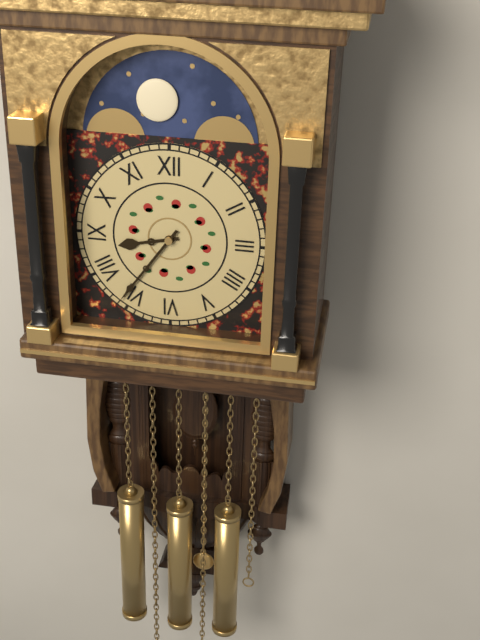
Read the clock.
8:36
